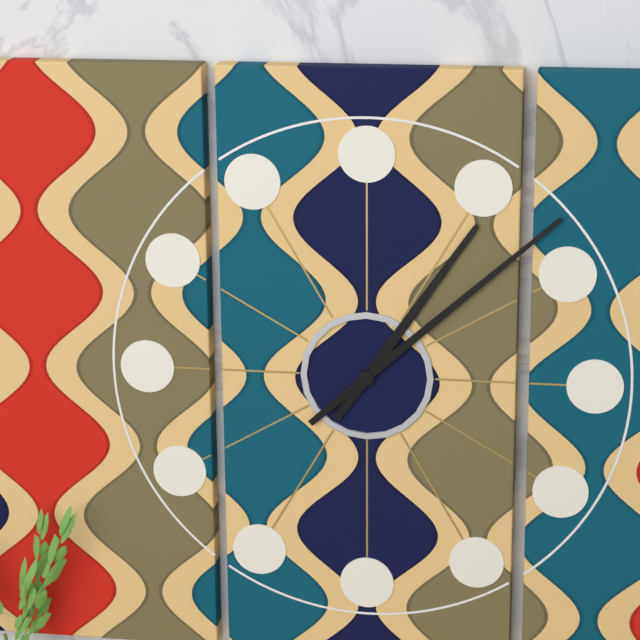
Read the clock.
1:08
